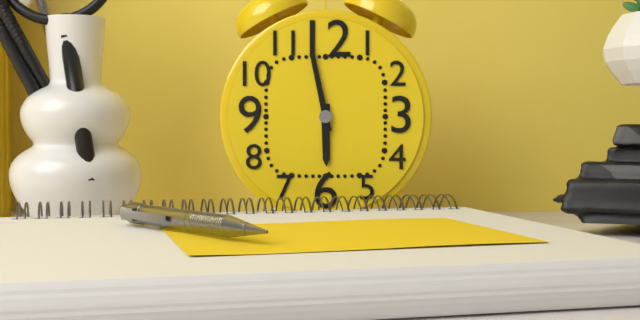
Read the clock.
5:58
